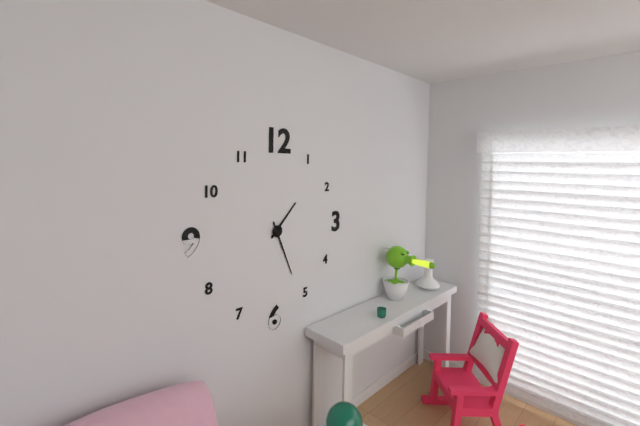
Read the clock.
1:26
